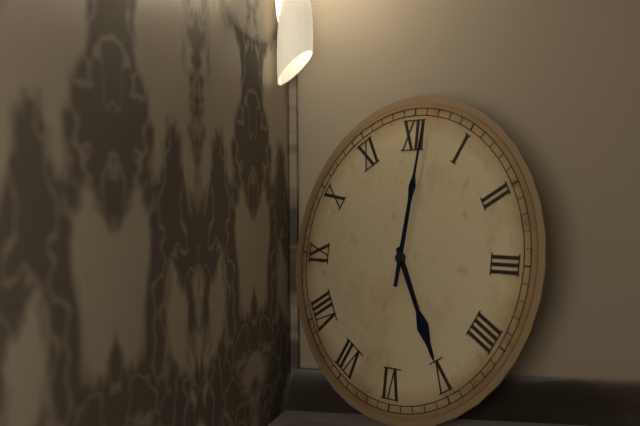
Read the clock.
5:01
